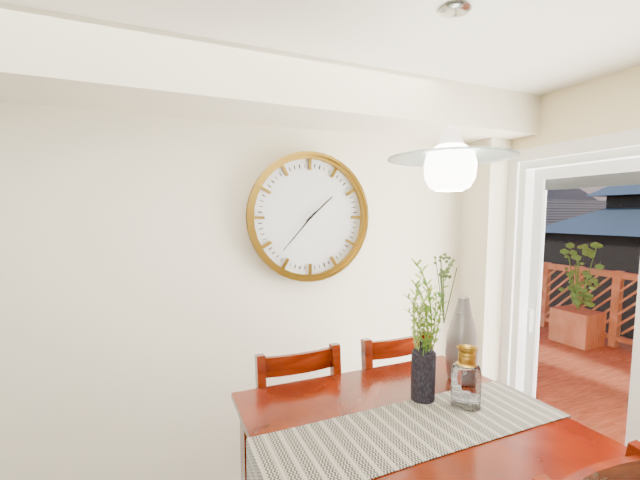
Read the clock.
1:37
